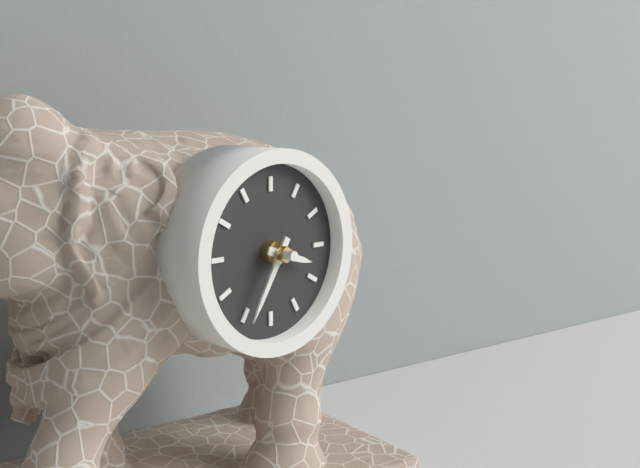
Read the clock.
3:35
